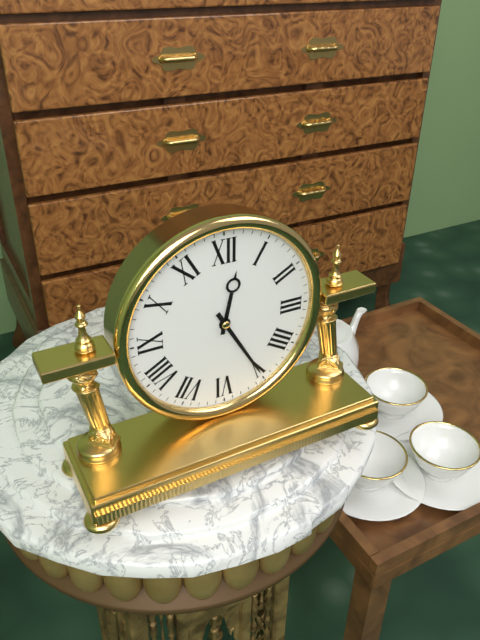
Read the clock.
12:25
